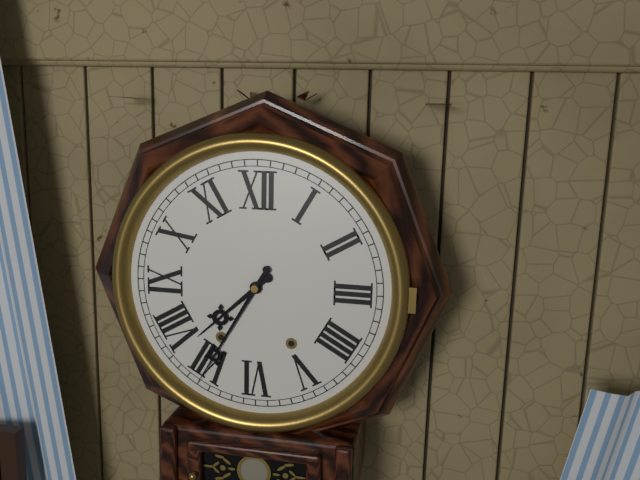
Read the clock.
7:35
